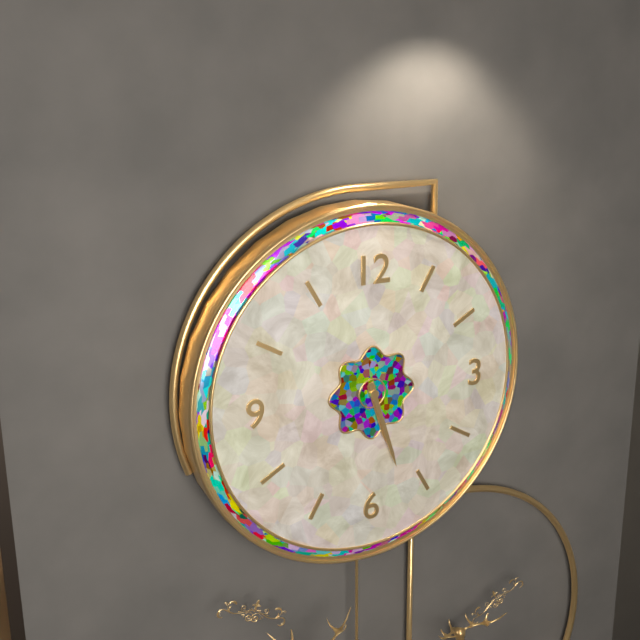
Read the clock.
5:27
